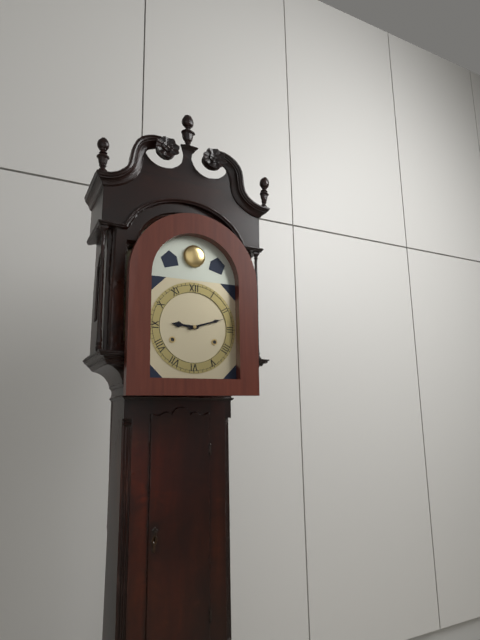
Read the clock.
9:12
